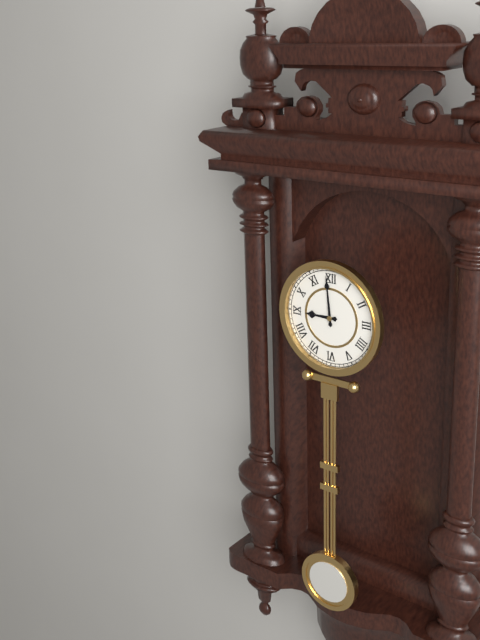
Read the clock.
8:59
